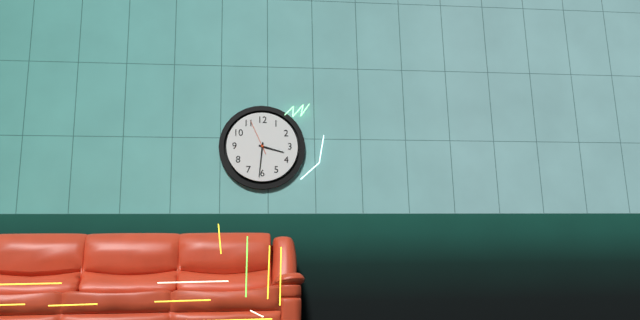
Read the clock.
3:31
